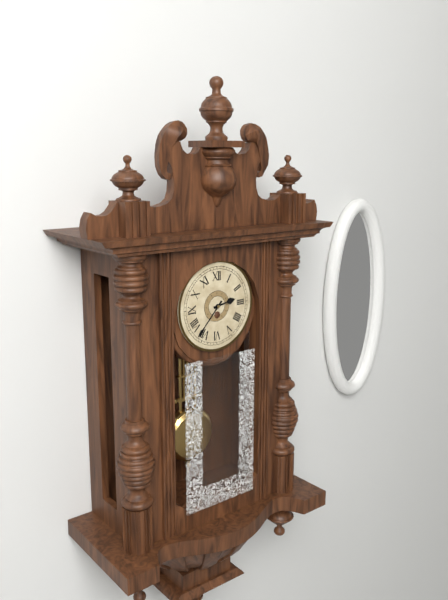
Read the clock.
2:37
